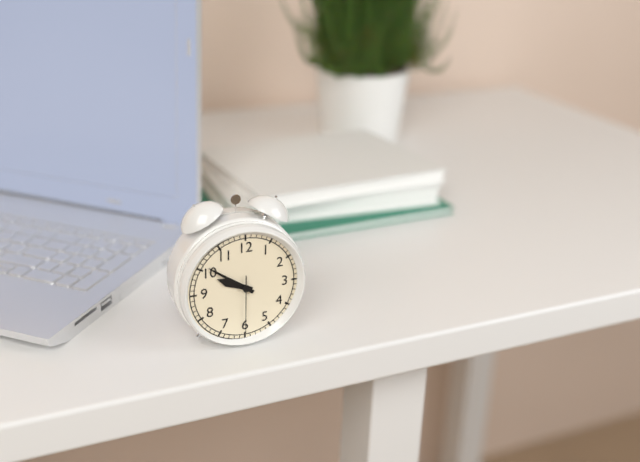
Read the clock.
9:51:30
